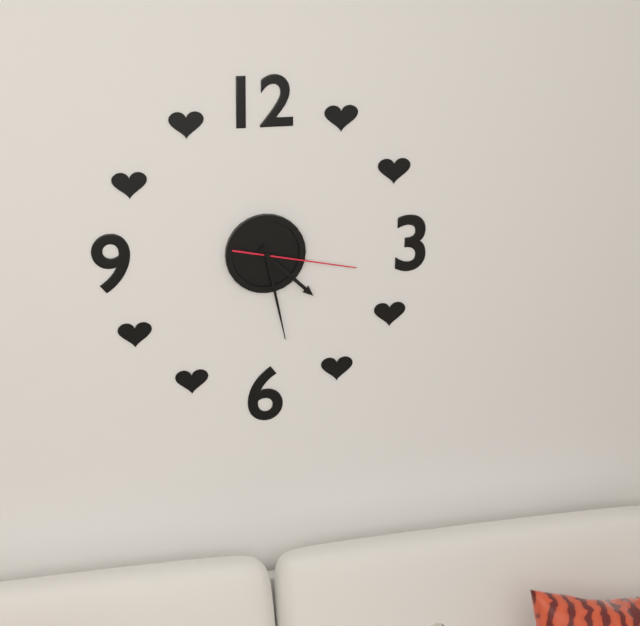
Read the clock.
4:28:17
